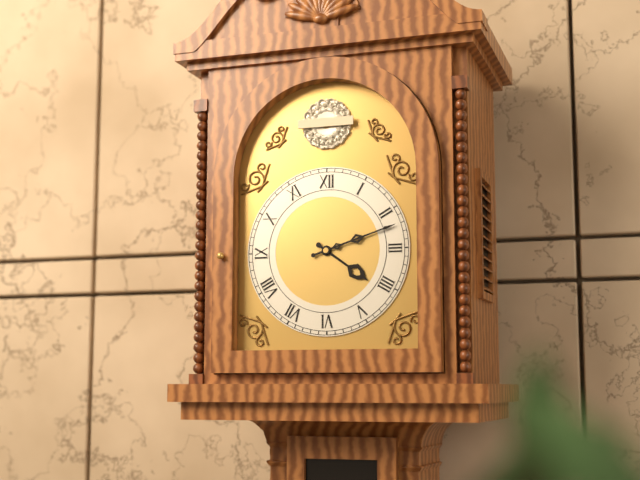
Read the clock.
4:12
